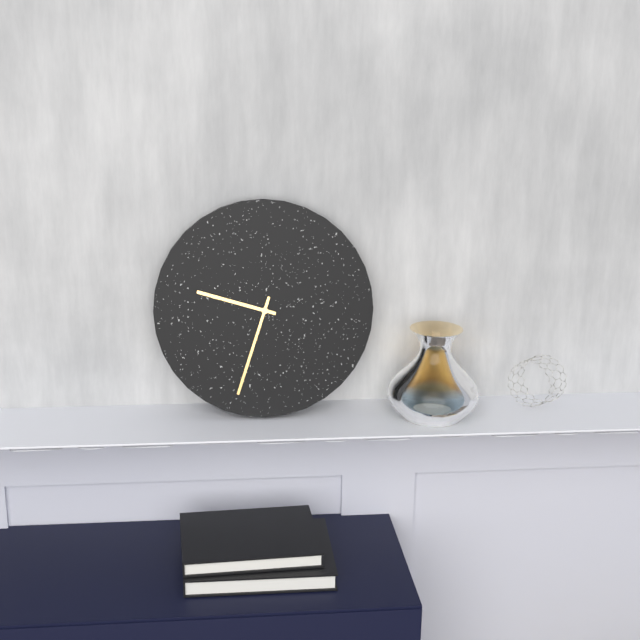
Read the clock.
9:33
